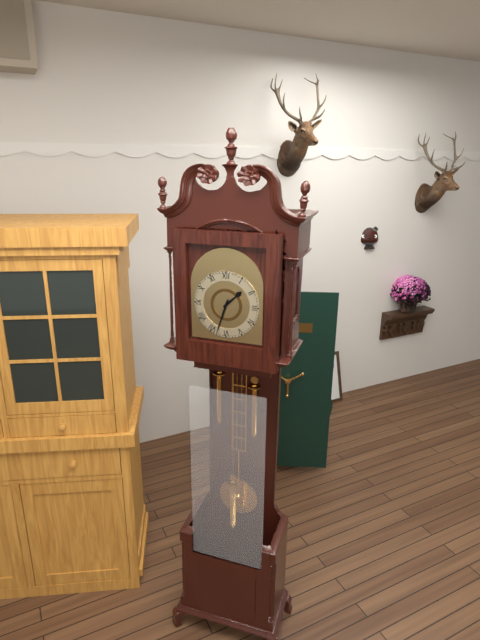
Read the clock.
1:33
